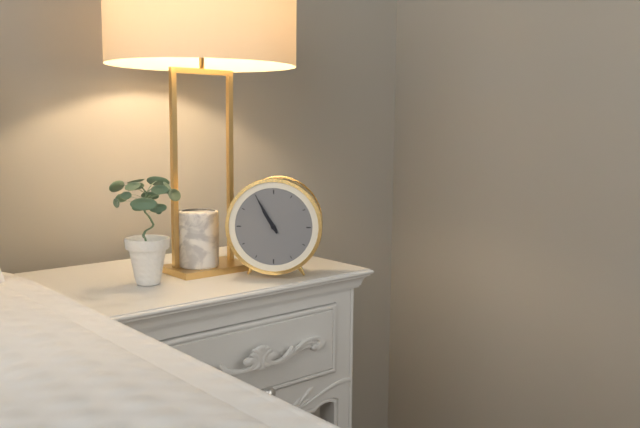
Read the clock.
10:55
